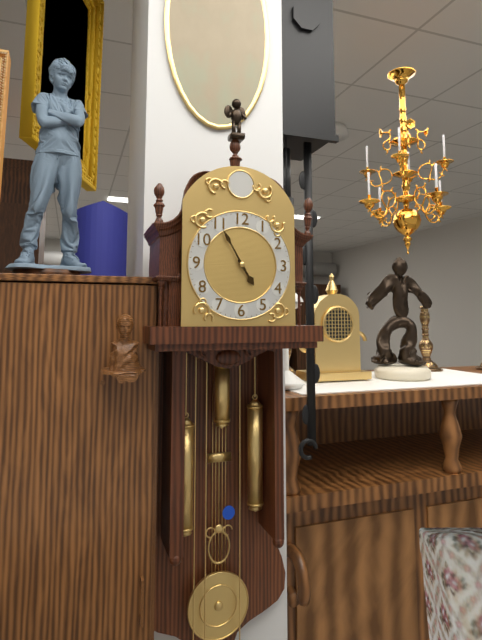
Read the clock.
4:55
